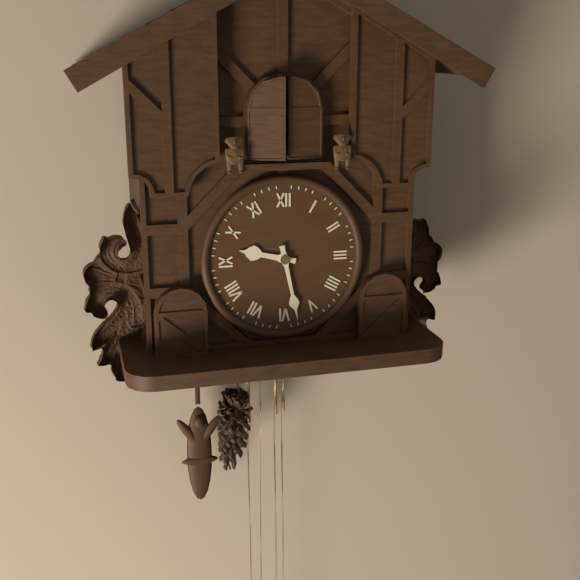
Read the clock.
9:28
